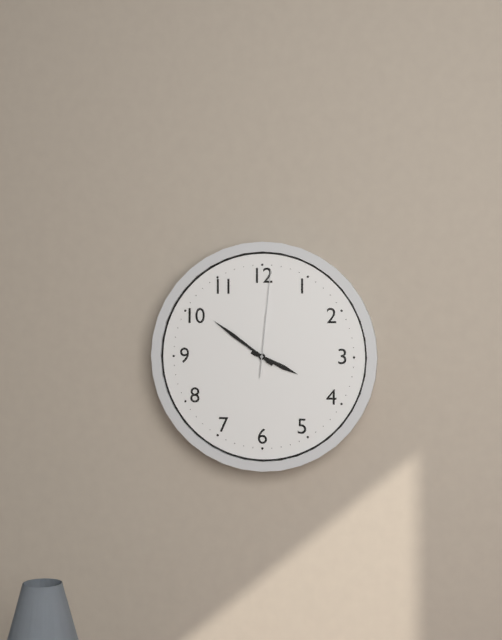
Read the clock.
3:51:01
